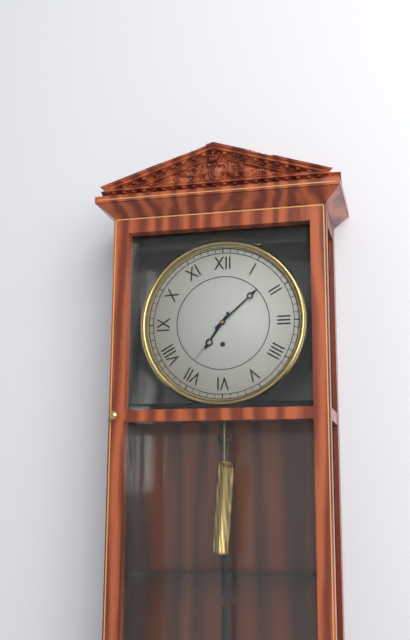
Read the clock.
7:08:36
